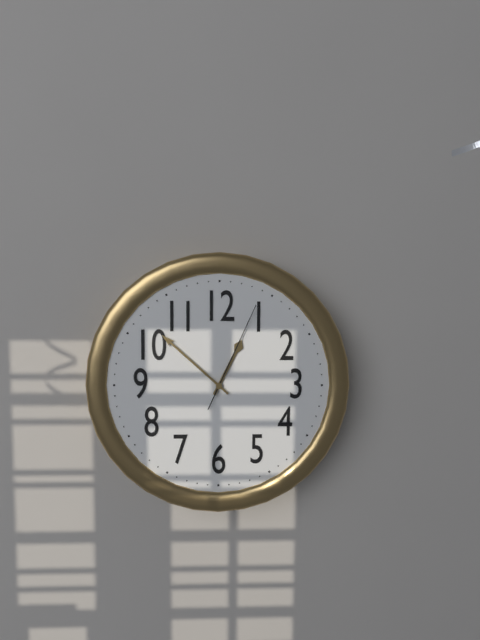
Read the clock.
12:52:04
